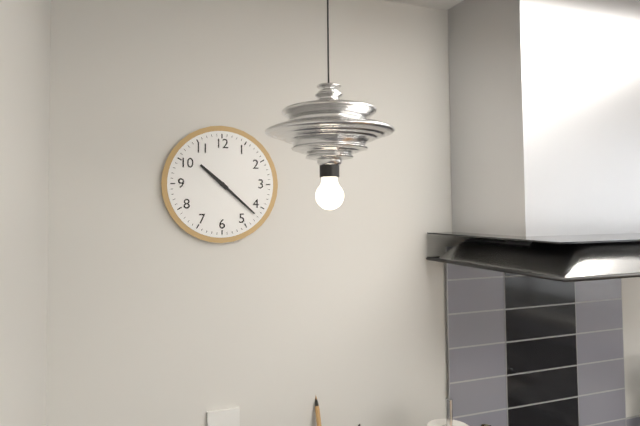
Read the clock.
10:22
